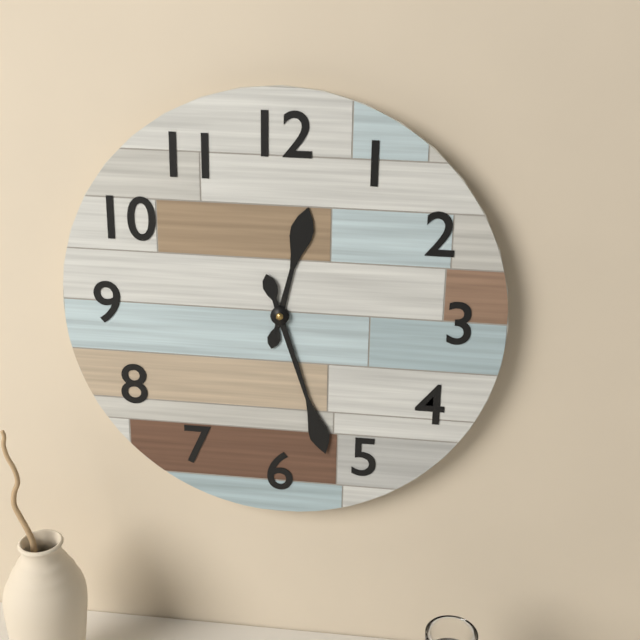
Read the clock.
12:27
